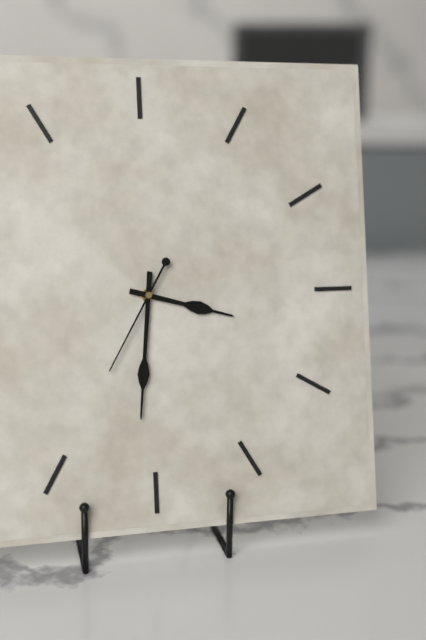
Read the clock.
3:31:35
